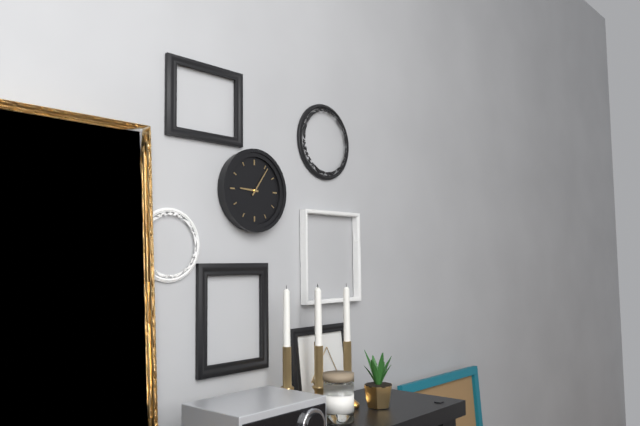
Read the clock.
9:06
